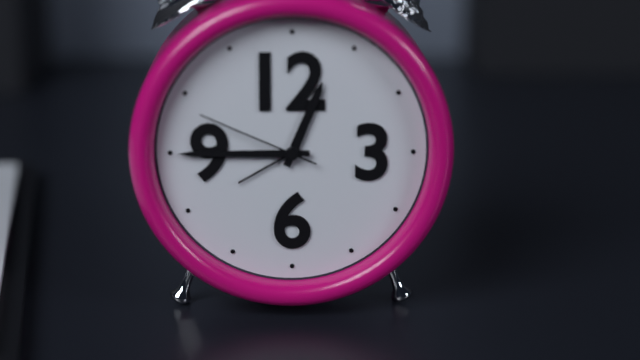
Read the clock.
12:45:49
